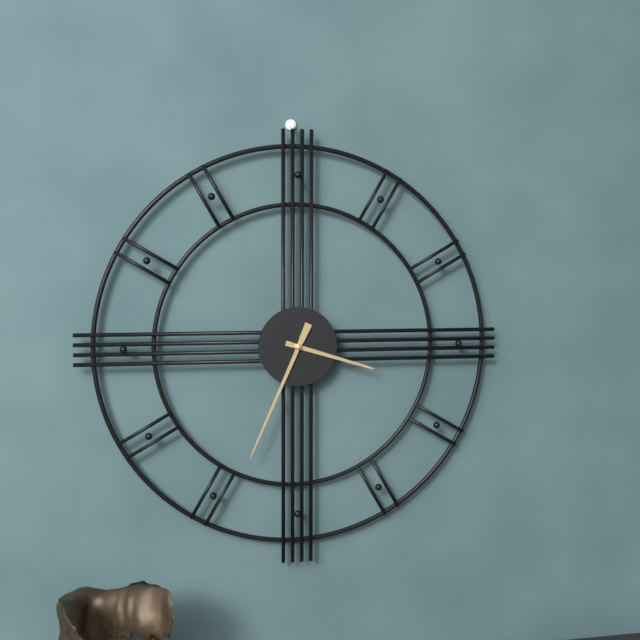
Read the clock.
3:34
